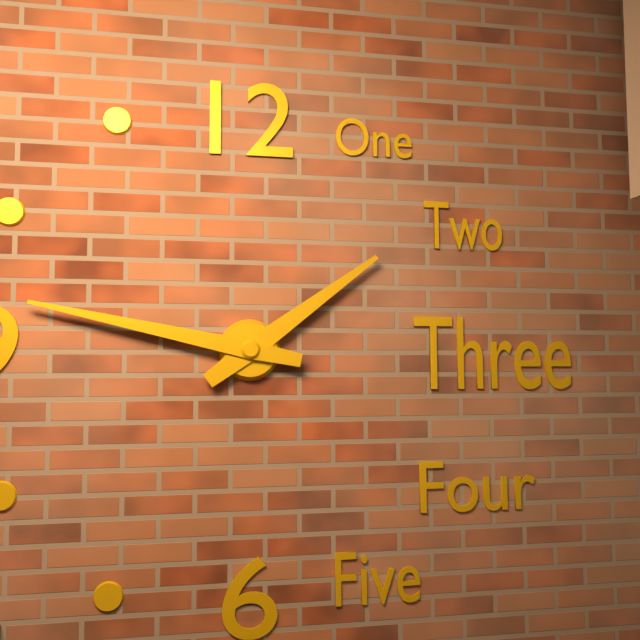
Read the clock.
1:47
